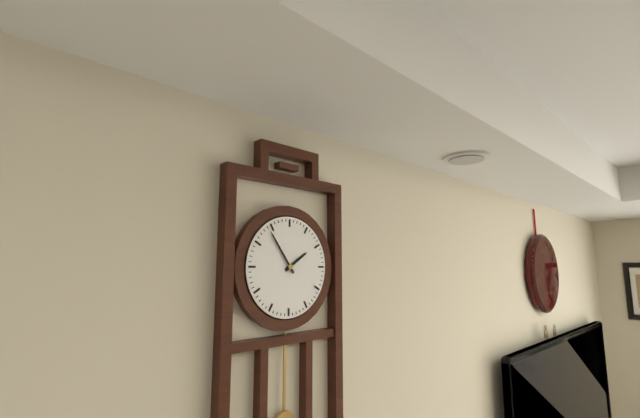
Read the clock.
1:54
